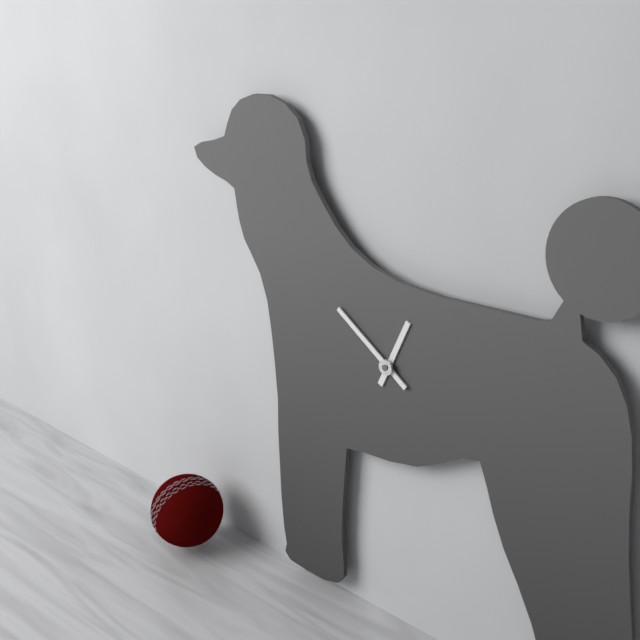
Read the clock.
12:51
